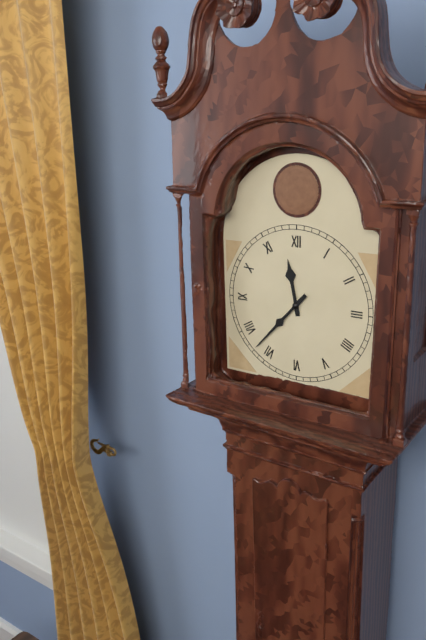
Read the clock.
11:37
